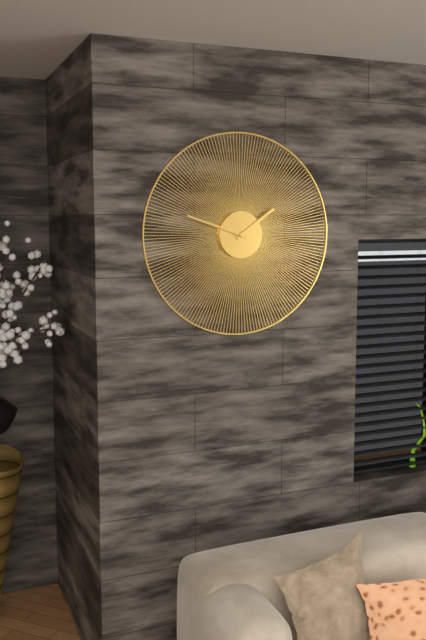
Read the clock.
1:48
